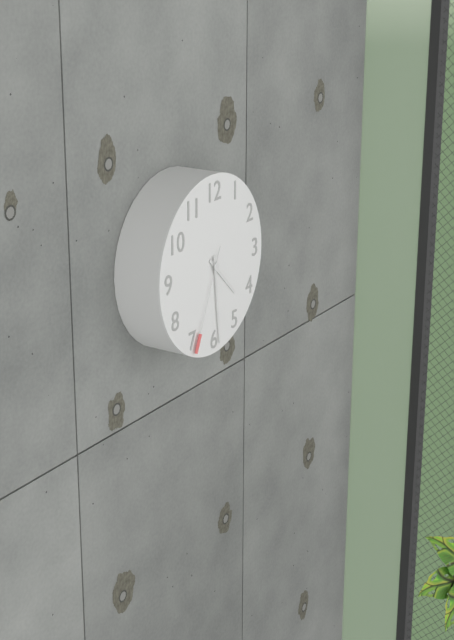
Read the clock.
4:29:34
